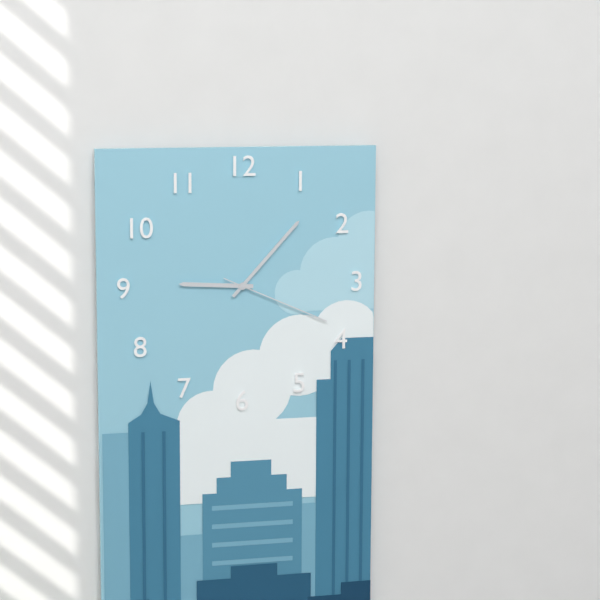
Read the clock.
9:07:19
